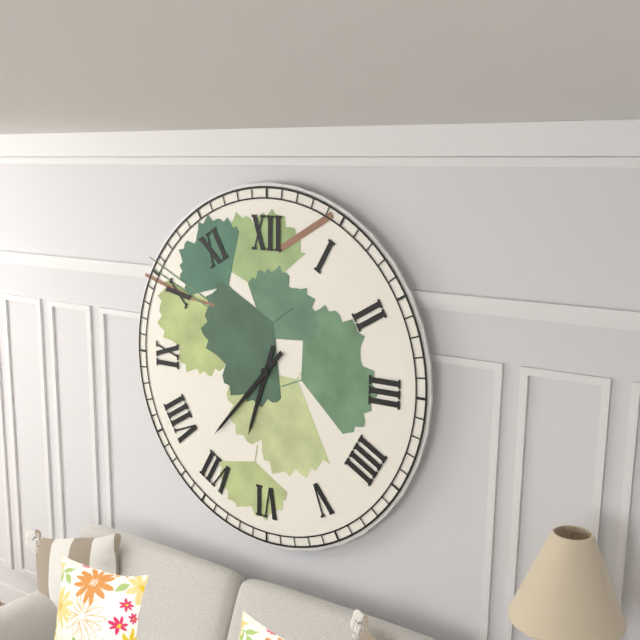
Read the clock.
6:37
